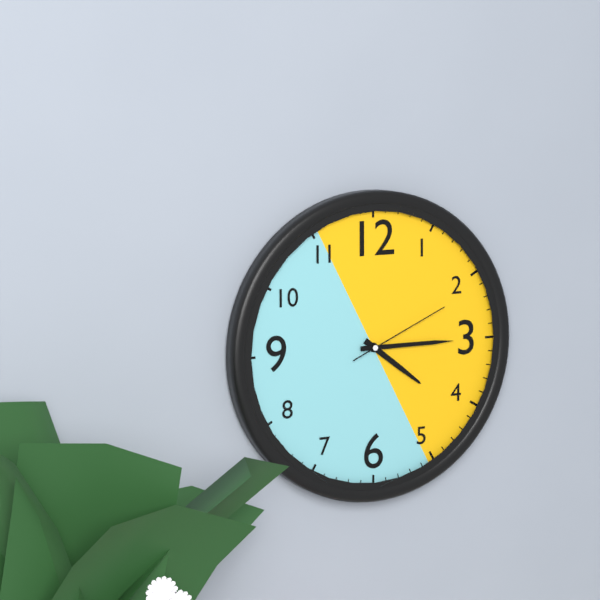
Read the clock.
4:15:11
